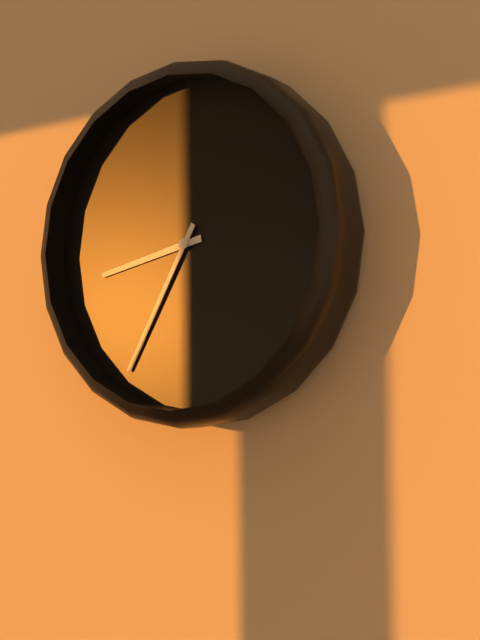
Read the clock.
8:35
